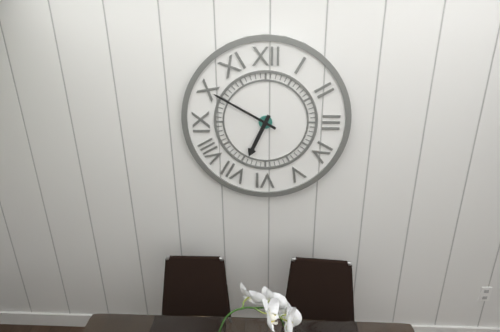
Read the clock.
6:50
